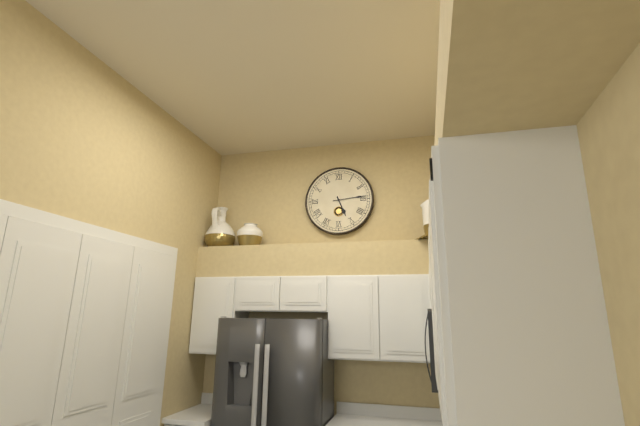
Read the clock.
5:14
